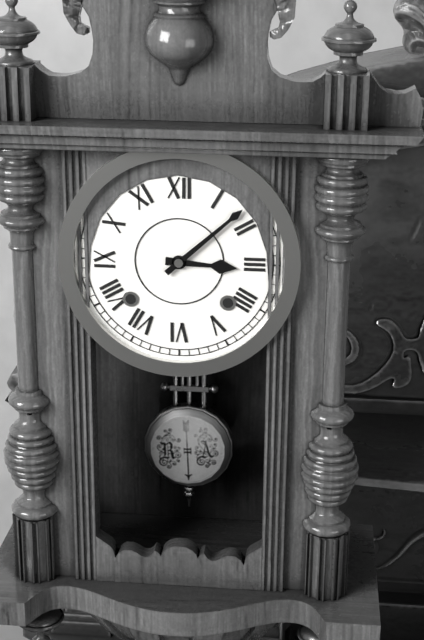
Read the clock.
3:08
